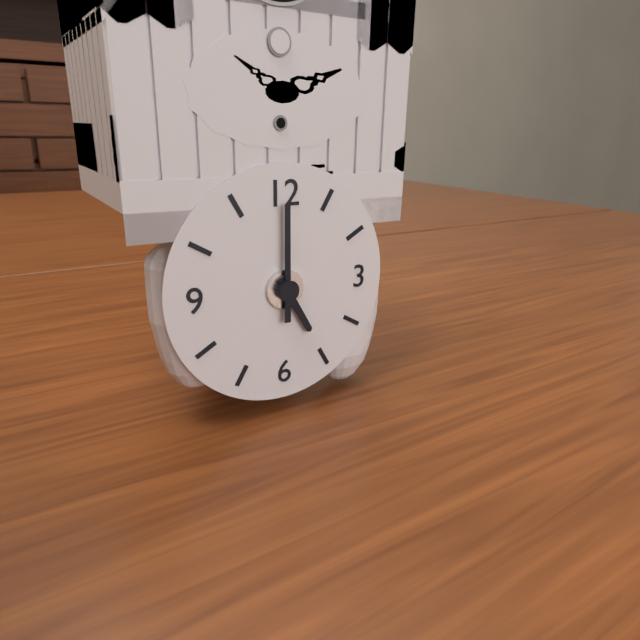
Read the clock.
5:00
